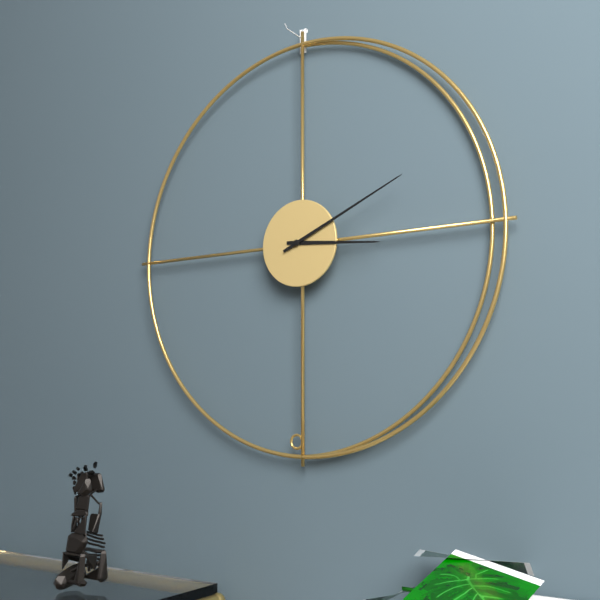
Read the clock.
3:11
